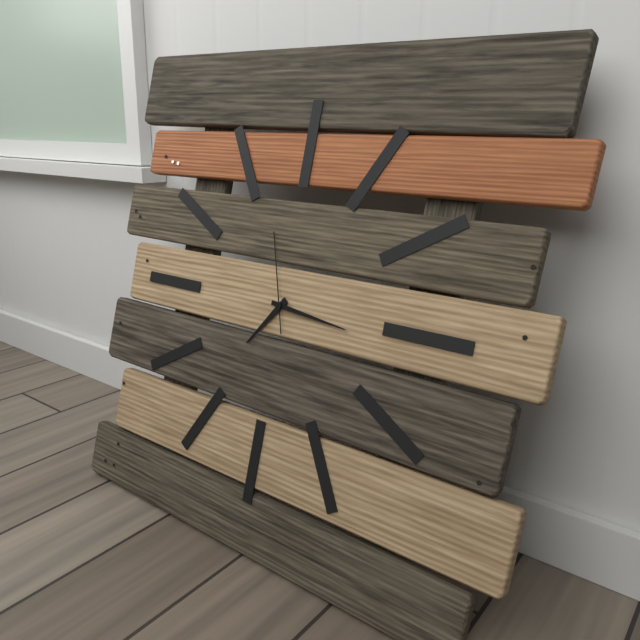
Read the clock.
7:16:57
